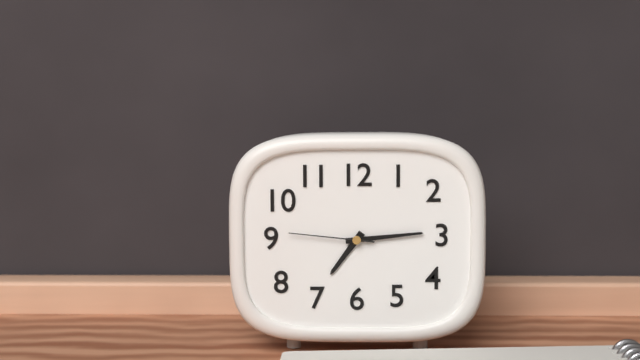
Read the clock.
7:14:46
